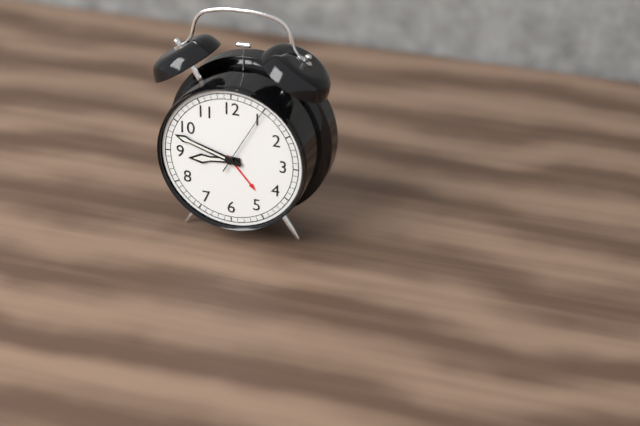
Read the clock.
8:48:05
